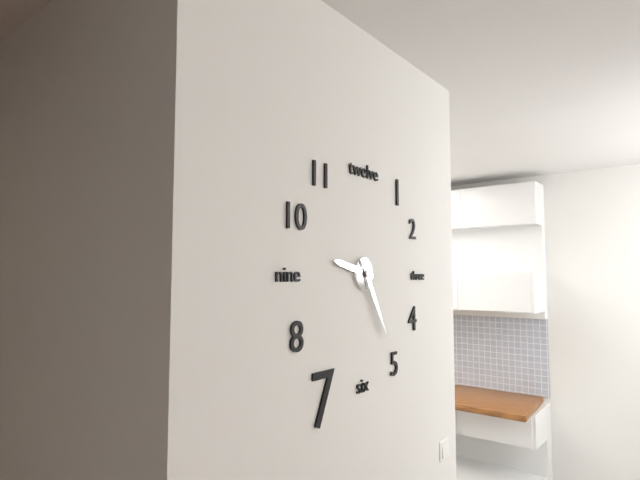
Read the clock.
9:25
